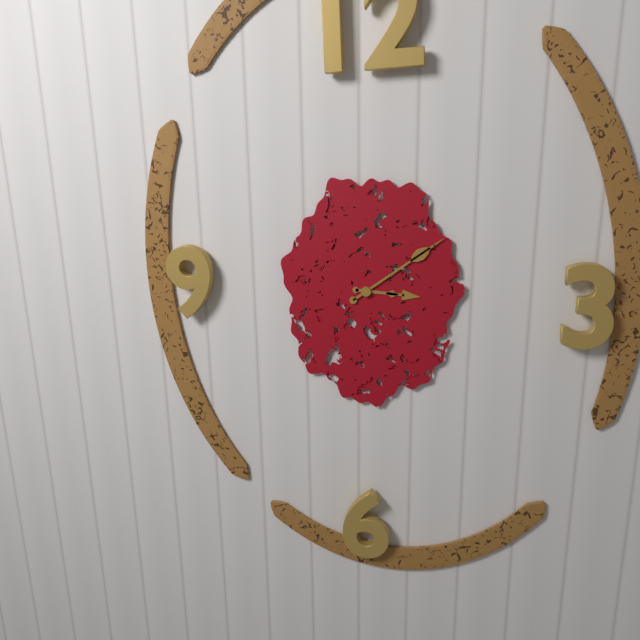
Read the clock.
3:09
